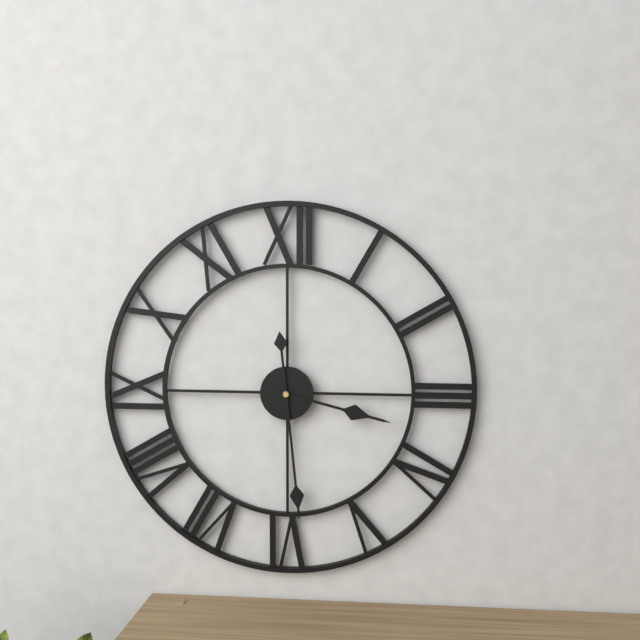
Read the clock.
3:29
